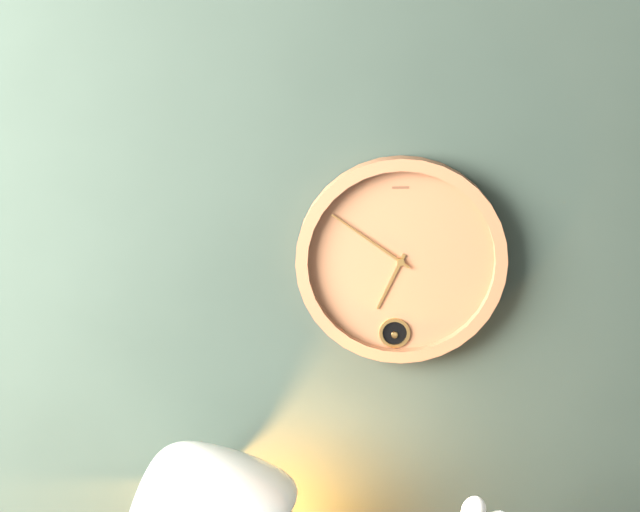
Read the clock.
6:51
